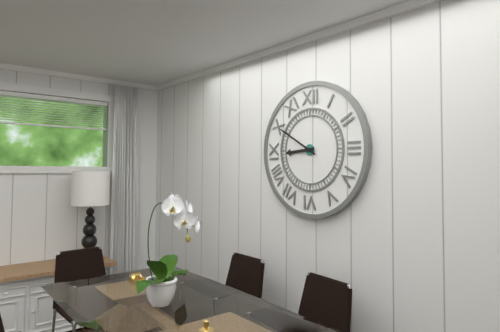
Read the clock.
8:50
